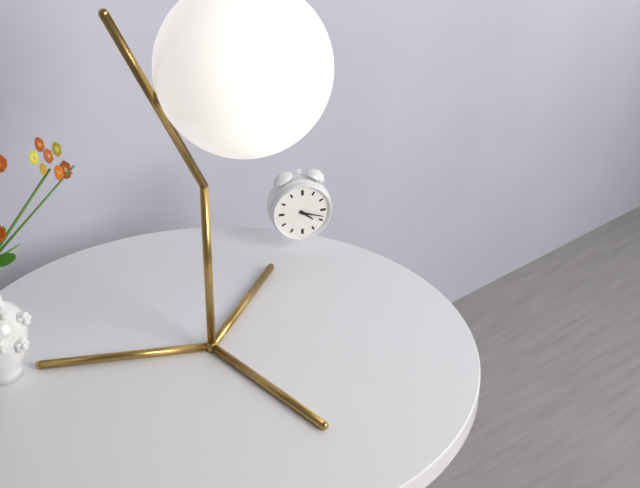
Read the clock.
4:18
